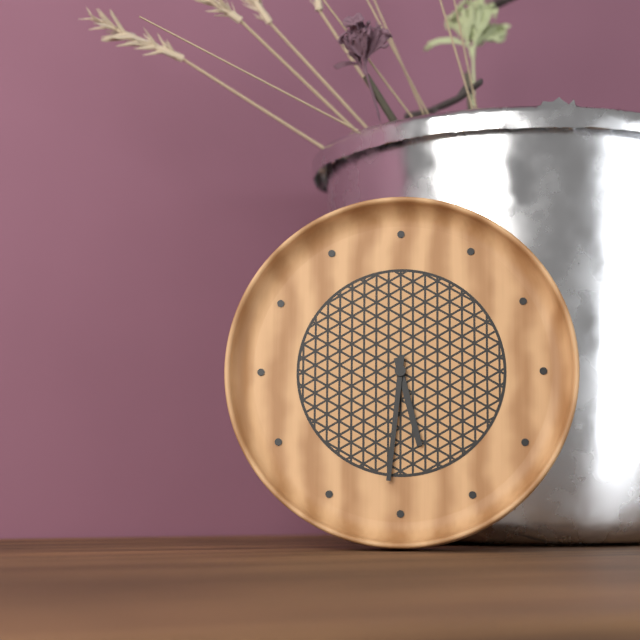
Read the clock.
5:31
